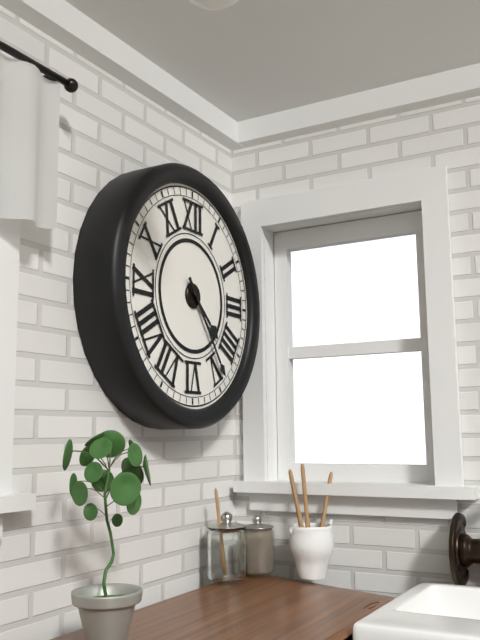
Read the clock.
4:24
